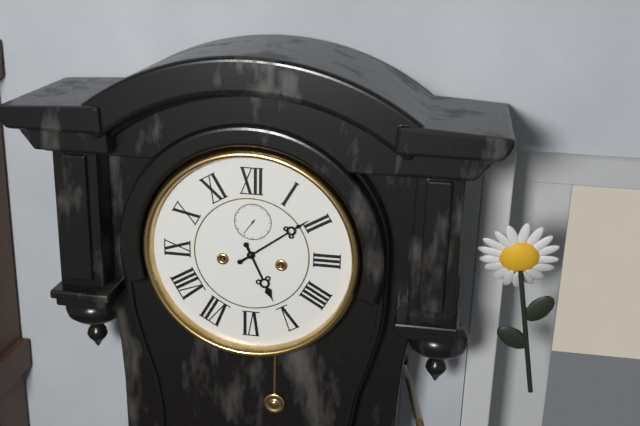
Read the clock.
5:09
